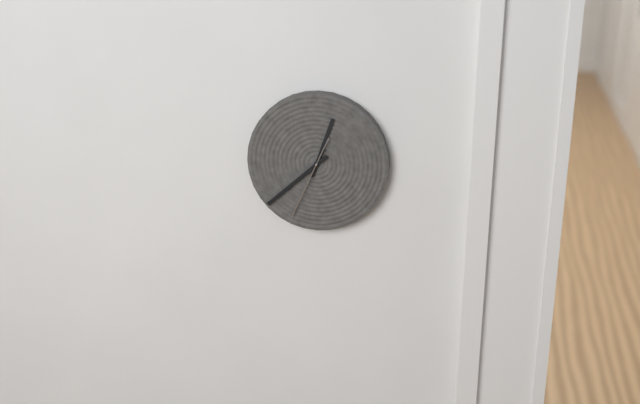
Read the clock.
12:38:34
